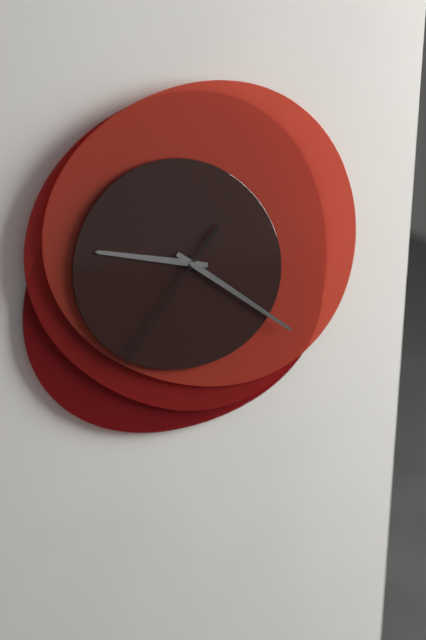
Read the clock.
9:21:36
